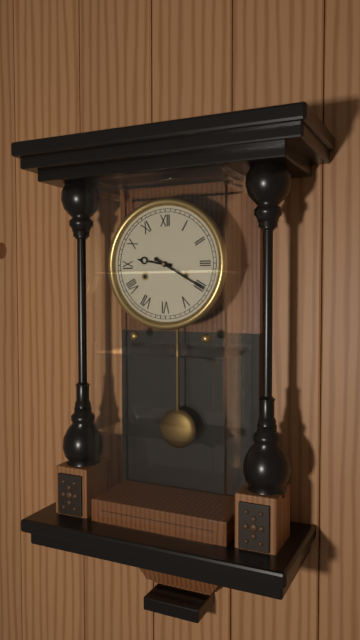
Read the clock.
9:20
